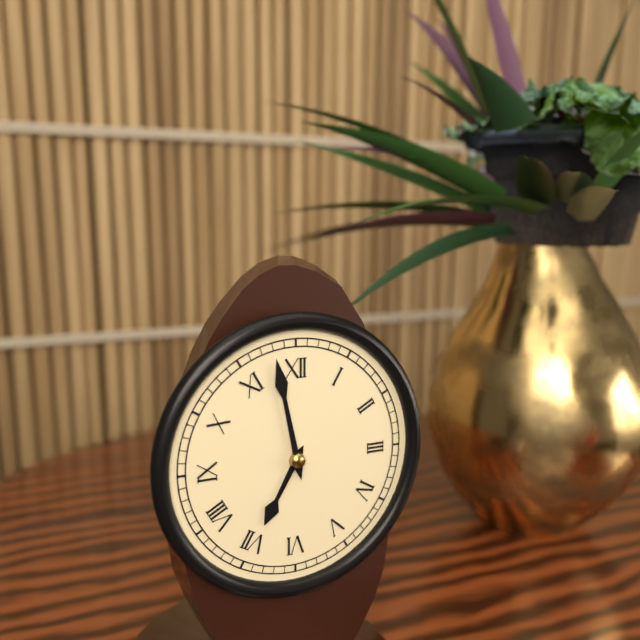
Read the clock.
6:58
